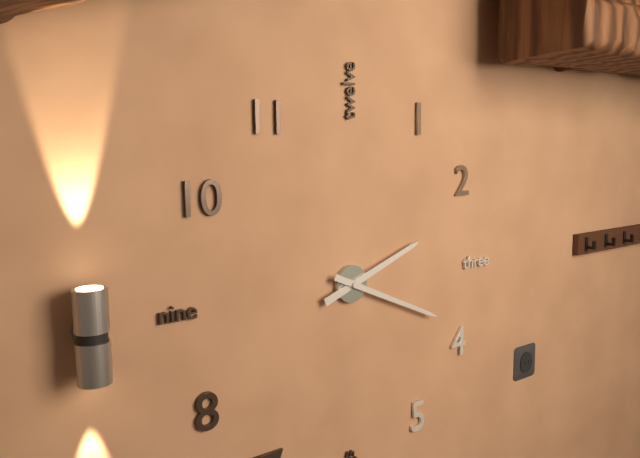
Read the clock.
2:19
